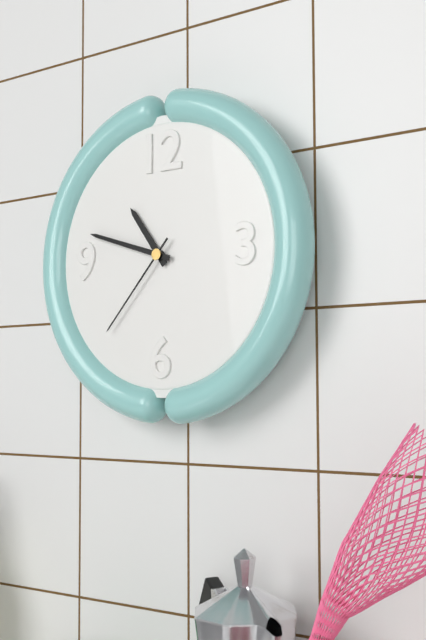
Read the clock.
10:48:37
